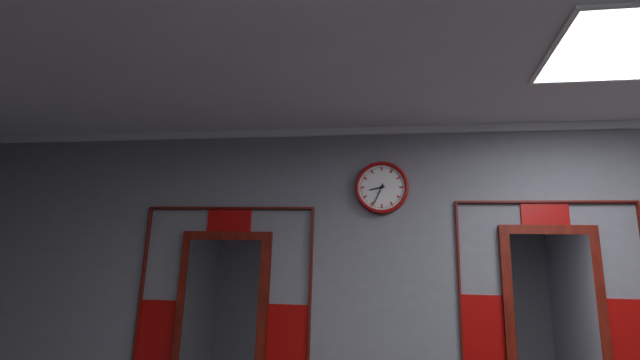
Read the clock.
8:34
